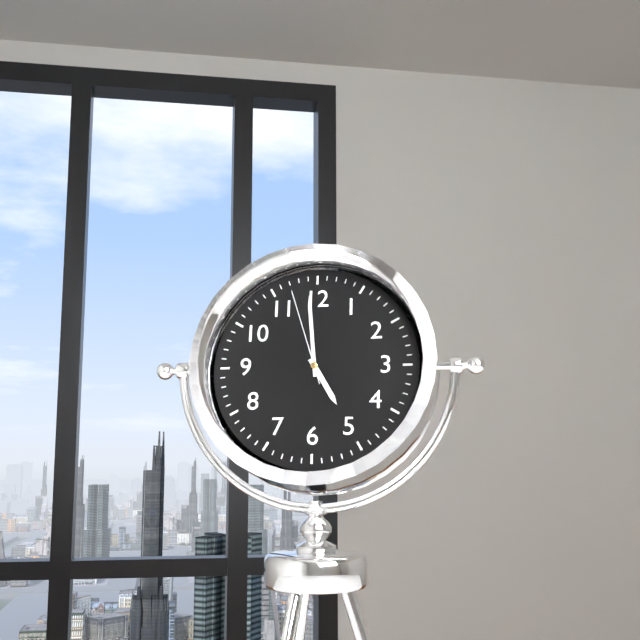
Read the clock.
4:59:57
